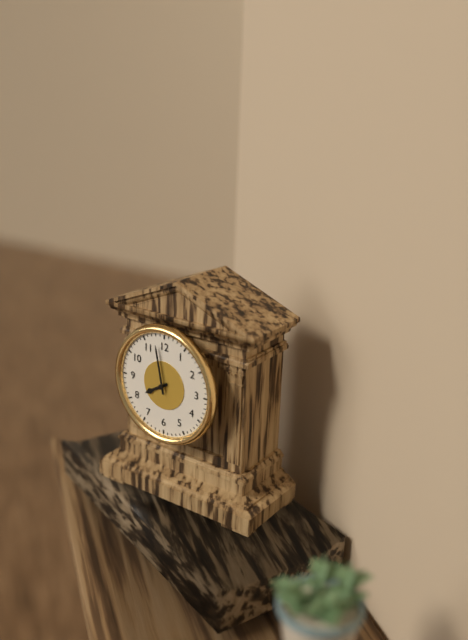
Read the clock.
7:58
